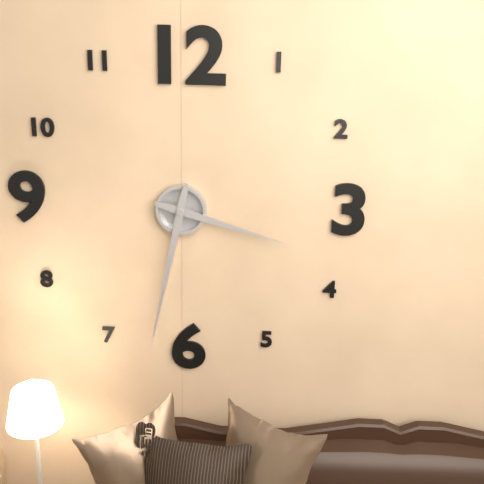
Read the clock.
3:32
